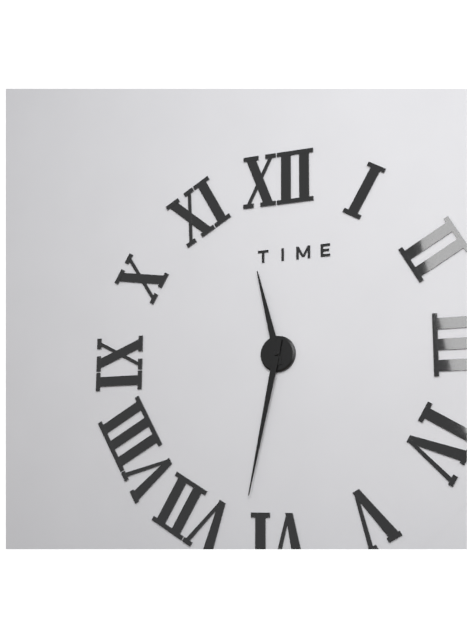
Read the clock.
11:32
